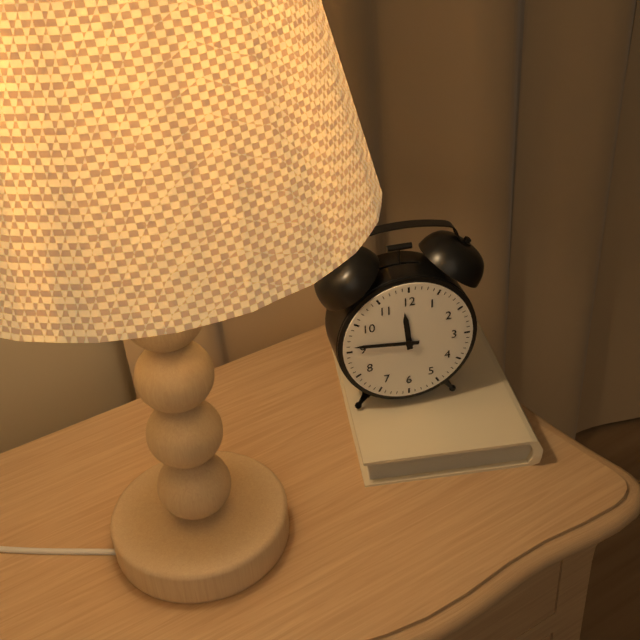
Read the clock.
11:46
